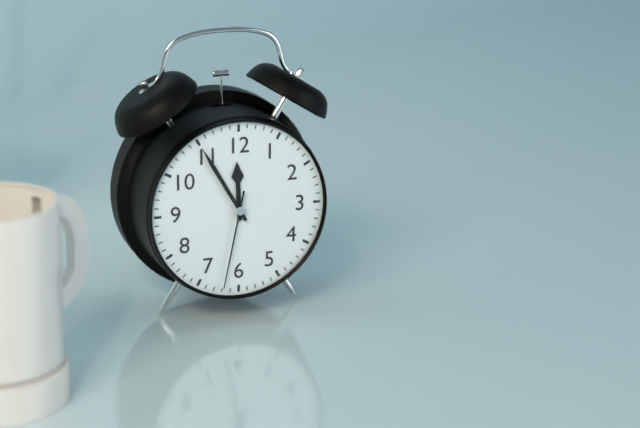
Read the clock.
11:55:32
